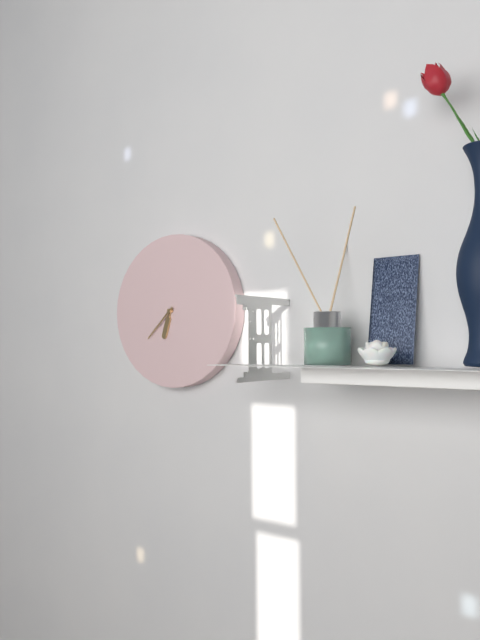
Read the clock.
6:38
